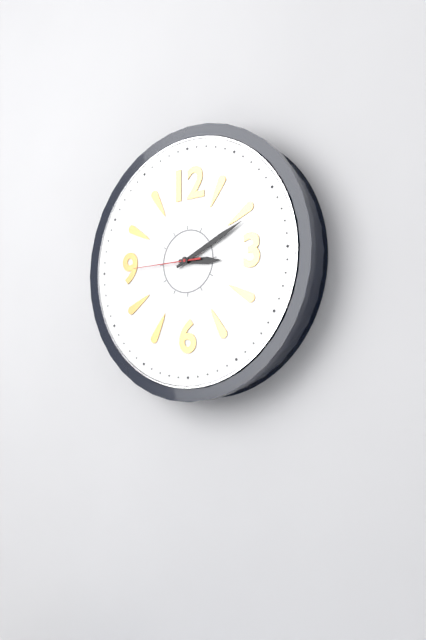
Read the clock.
3:11:45
